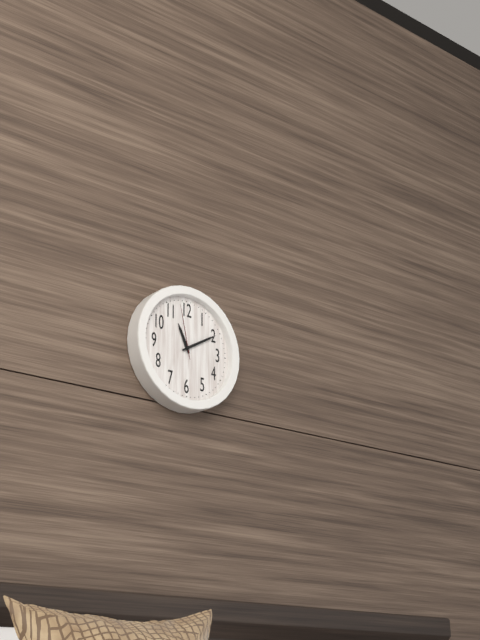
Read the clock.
11:10:58
